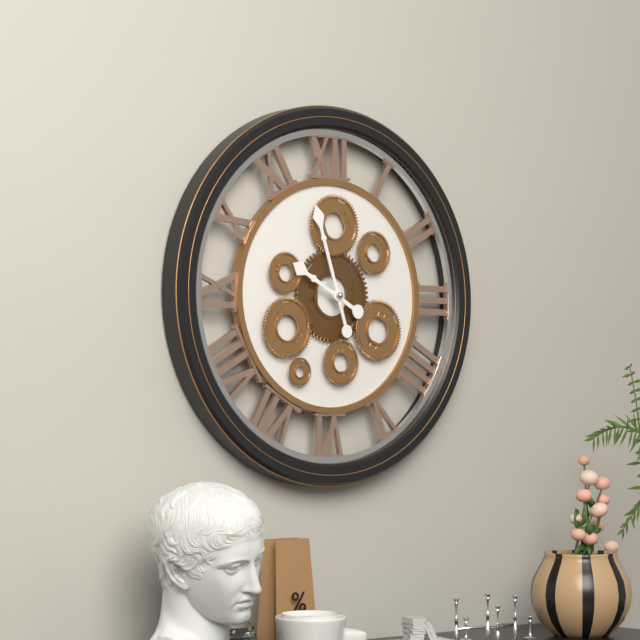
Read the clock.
9:57
